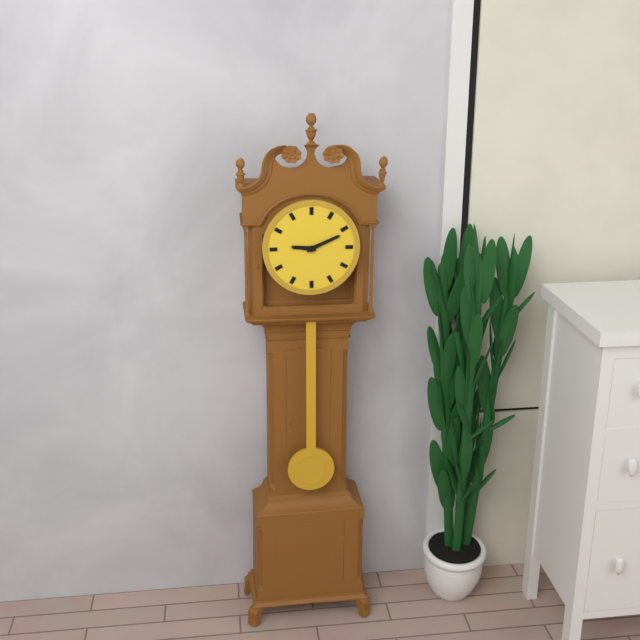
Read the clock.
9:11
